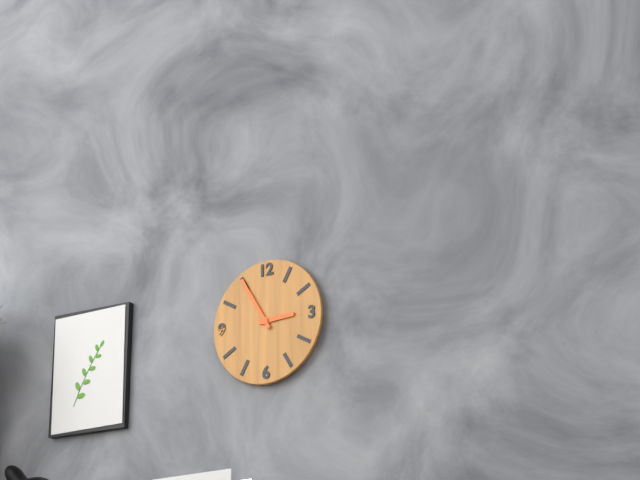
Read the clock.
2:55
